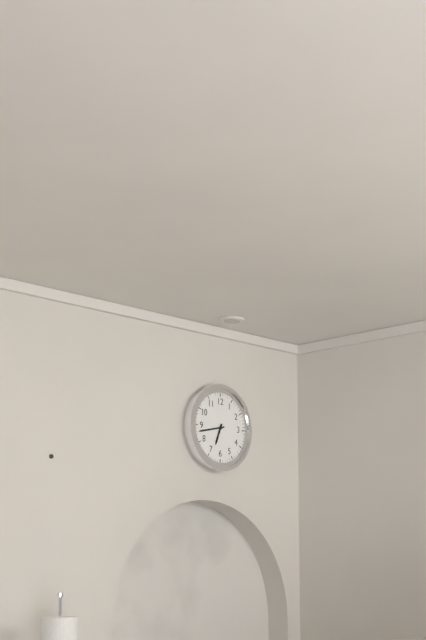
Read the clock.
6:43
